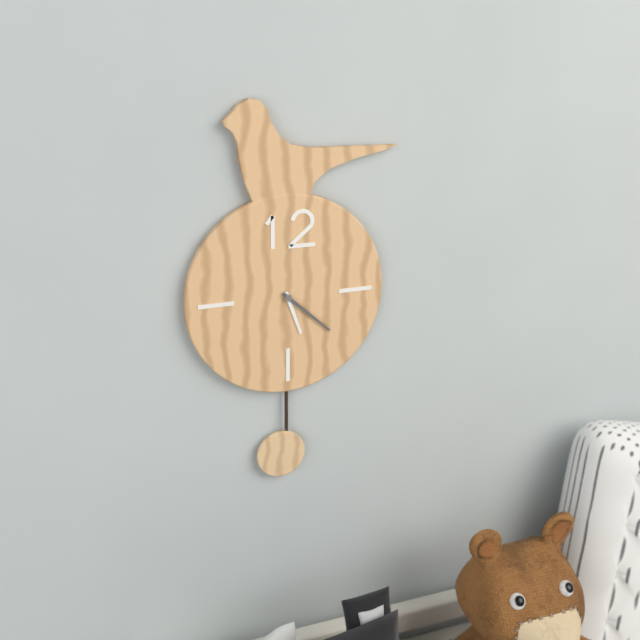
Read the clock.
5:22
